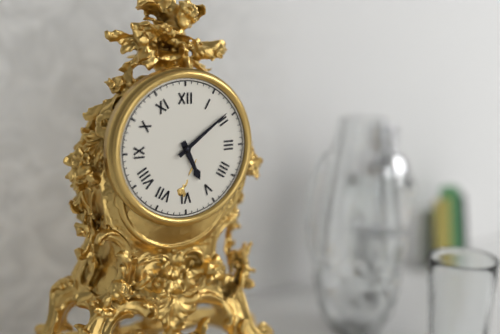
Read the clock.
5:09
